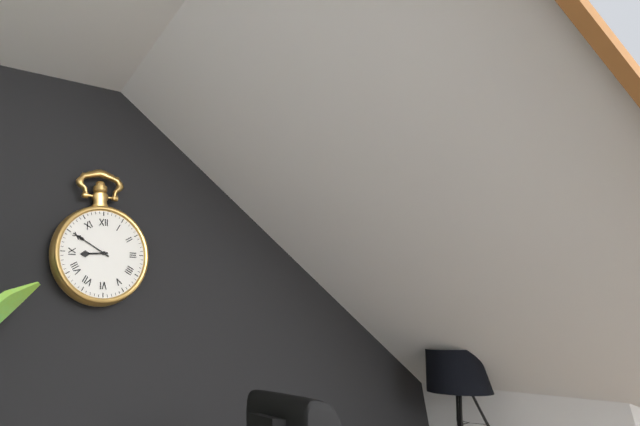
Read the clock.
8:50
